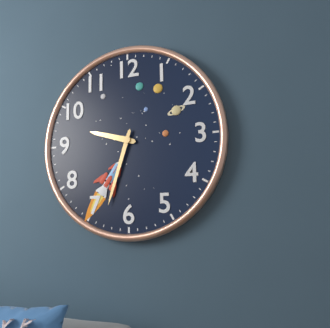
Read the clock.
9:33
